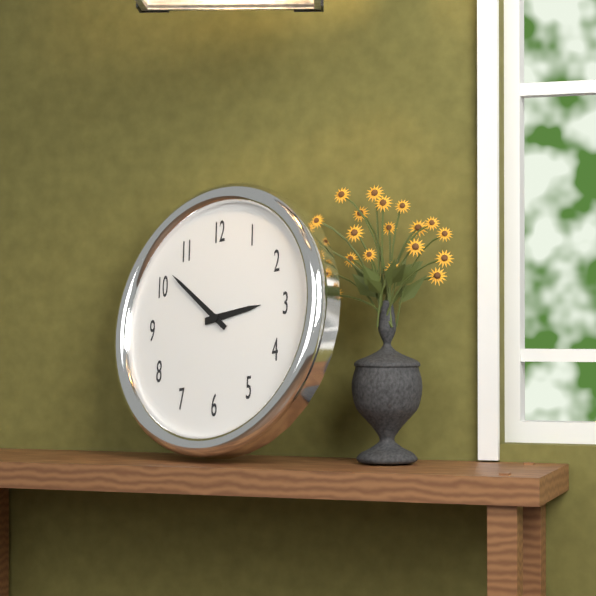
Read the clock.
2:52
